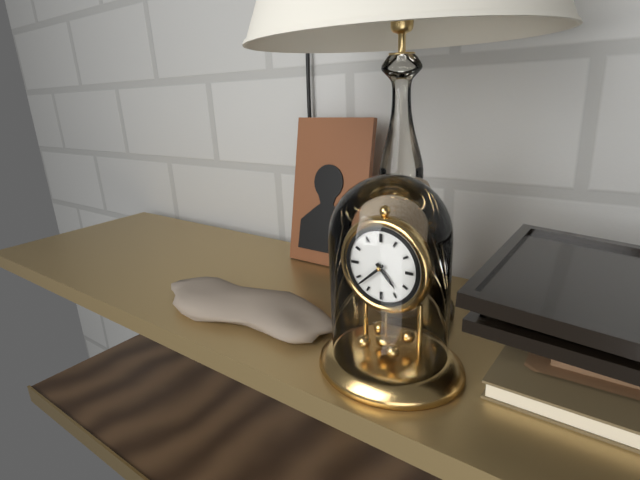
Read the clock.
4:38
